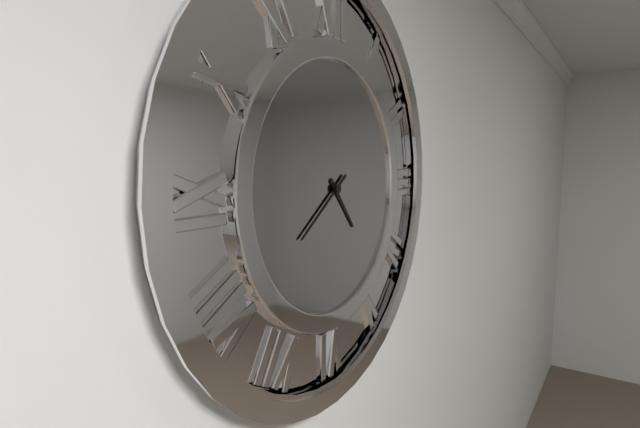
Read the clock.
4:39
